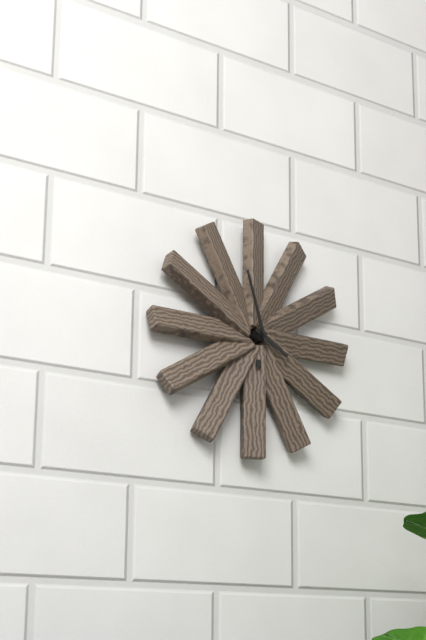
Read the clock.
3:57
